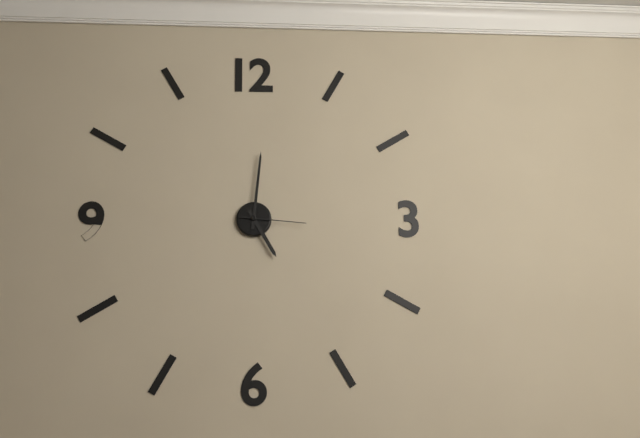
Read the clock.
5:01:16
